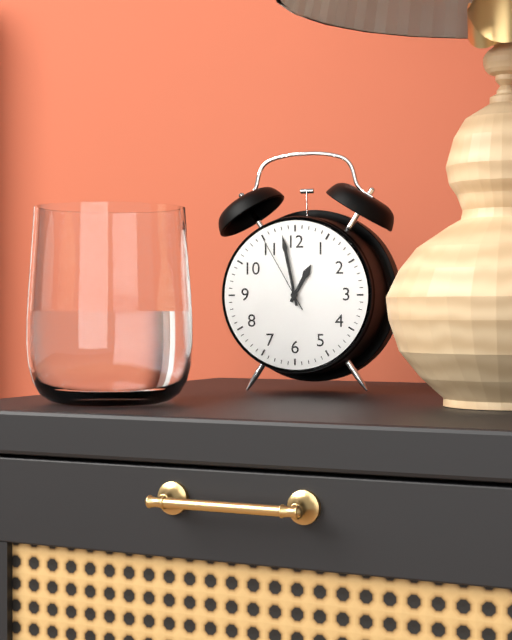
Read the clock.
12:58:55
